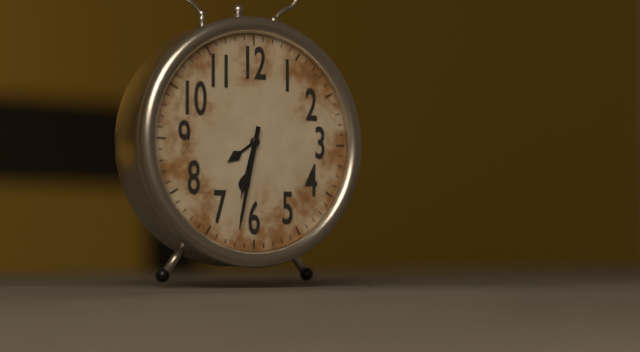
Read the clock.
6:32
